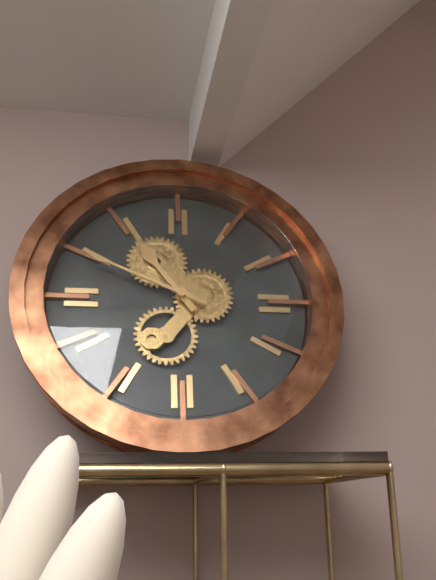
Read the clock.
10:49
